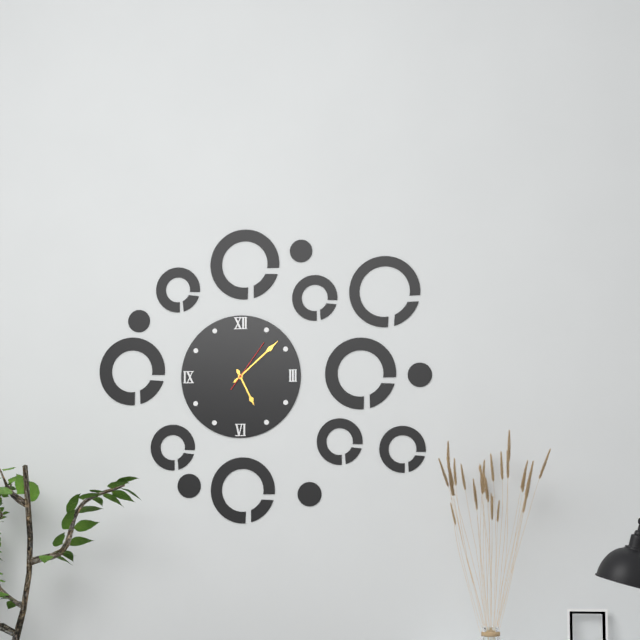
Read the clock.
5:08:06
